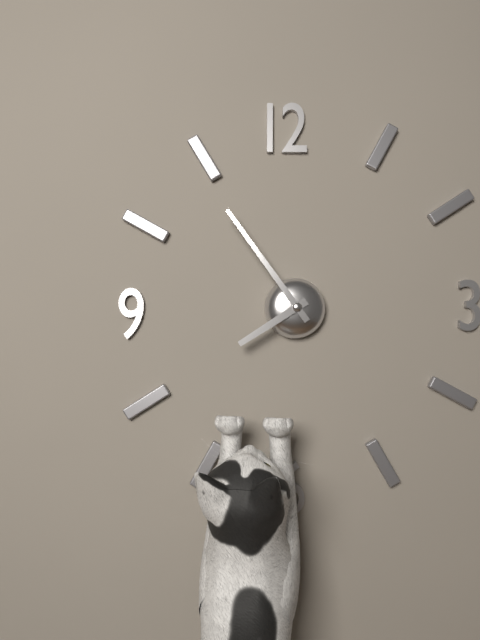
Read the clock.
7:54
